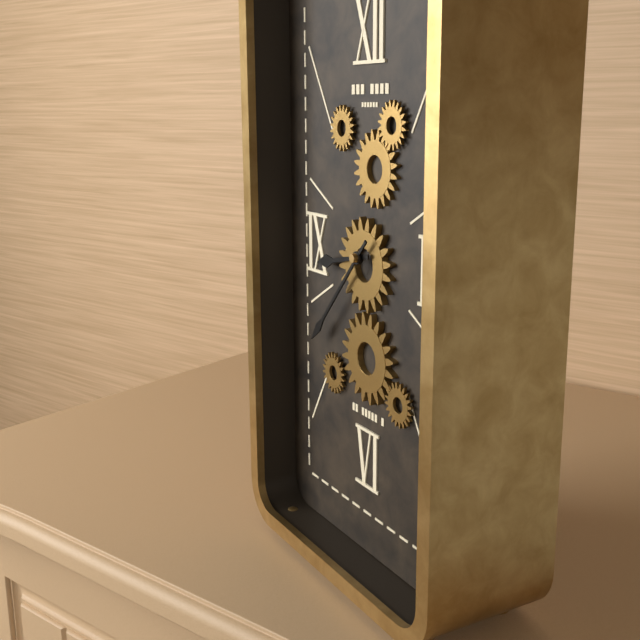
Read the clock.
8:37
